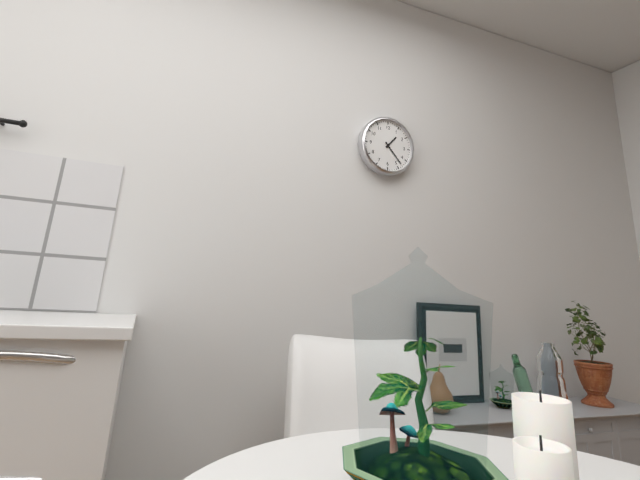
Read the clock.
1:23
